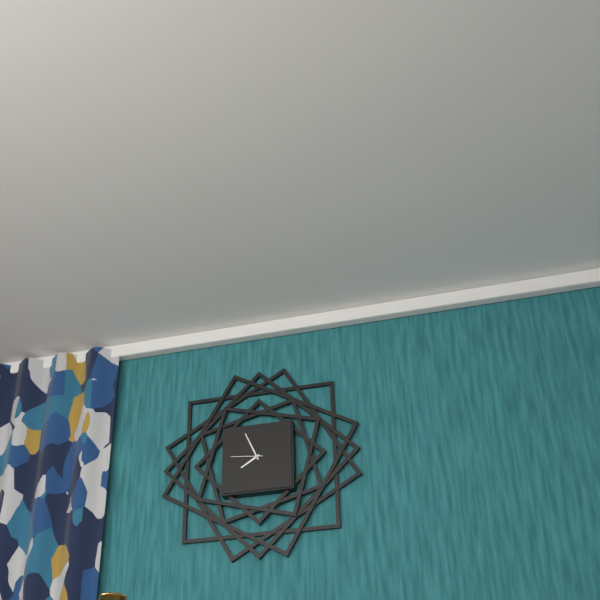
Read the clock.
7:56
